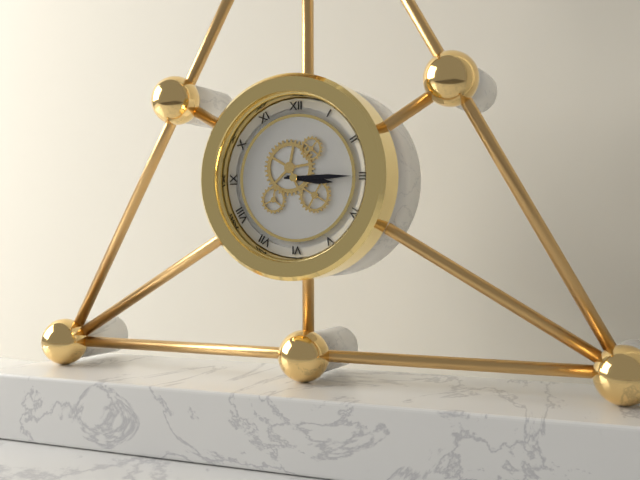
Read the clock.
3:15
